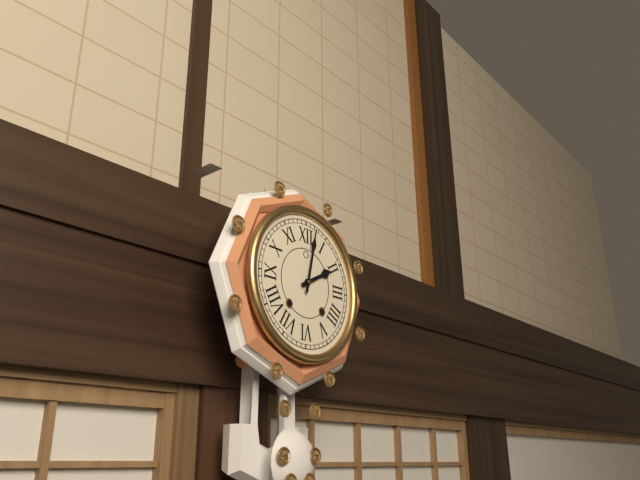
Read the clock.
2:02
